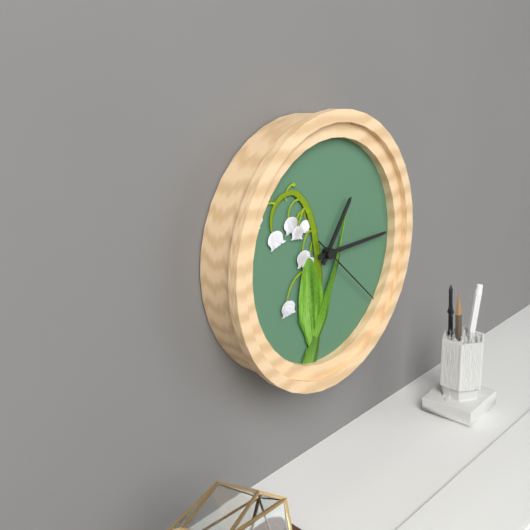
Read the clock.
1:15:22
